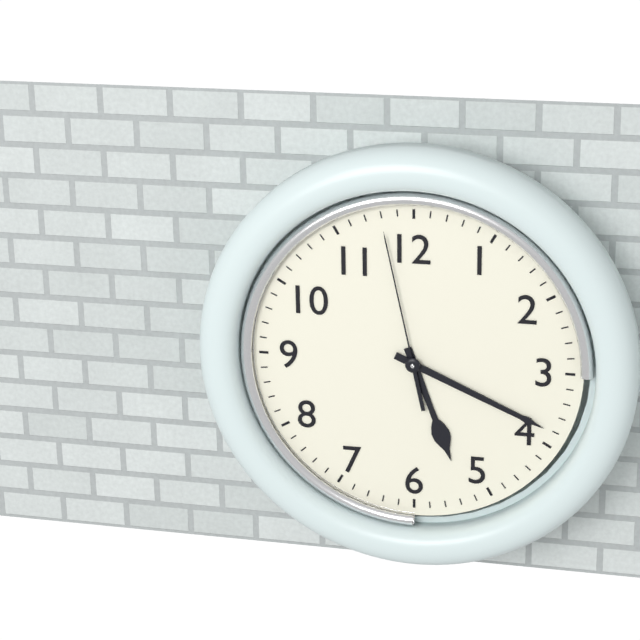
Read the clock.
5:19:58
